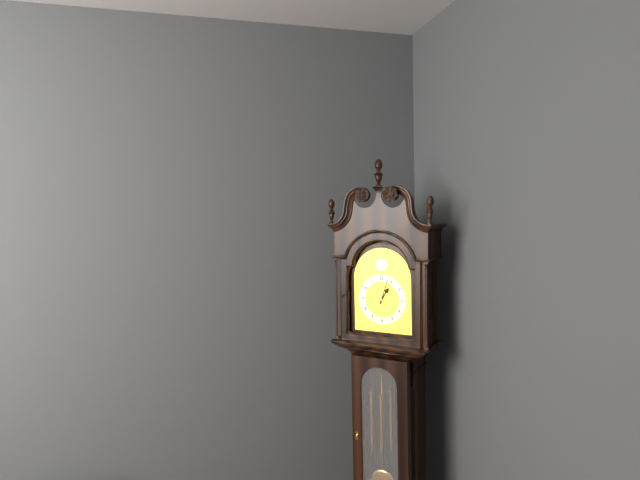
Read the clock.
1:03
